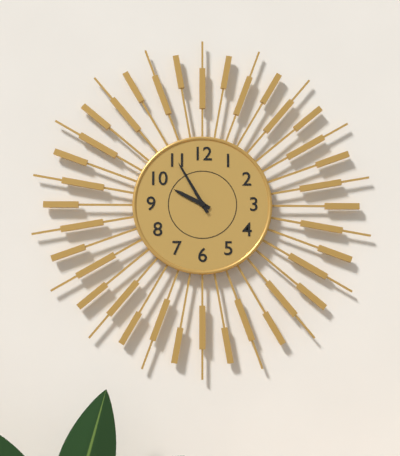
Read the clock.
9:55
